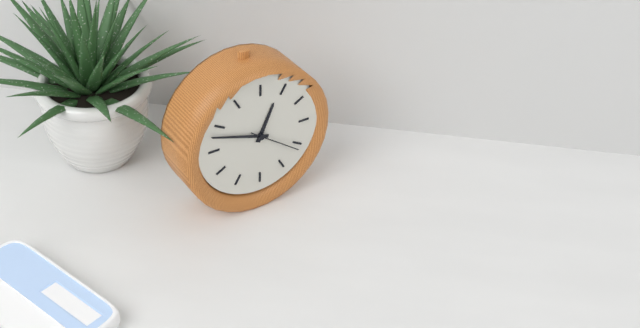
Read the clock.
12:48:21
